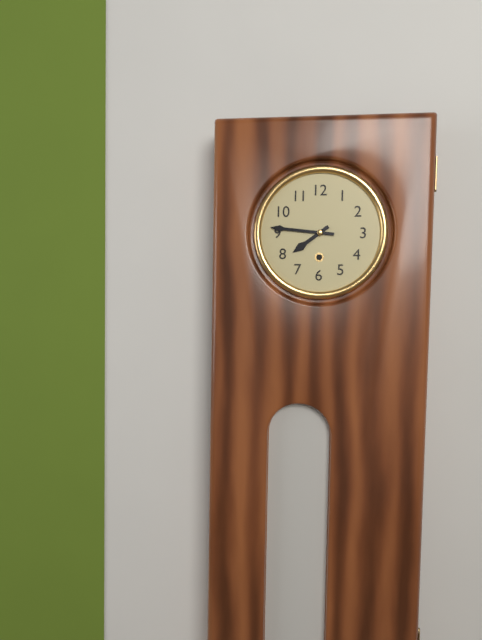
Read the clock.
7:46
